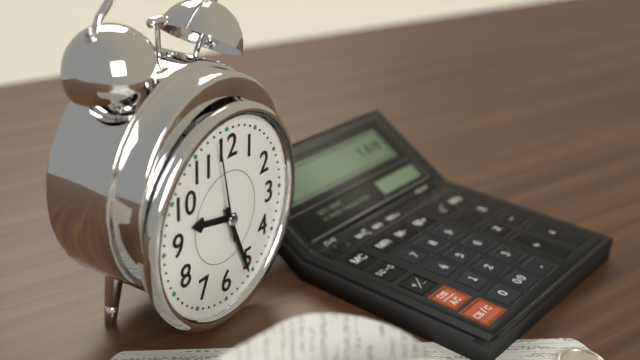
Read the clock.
9:26:58
